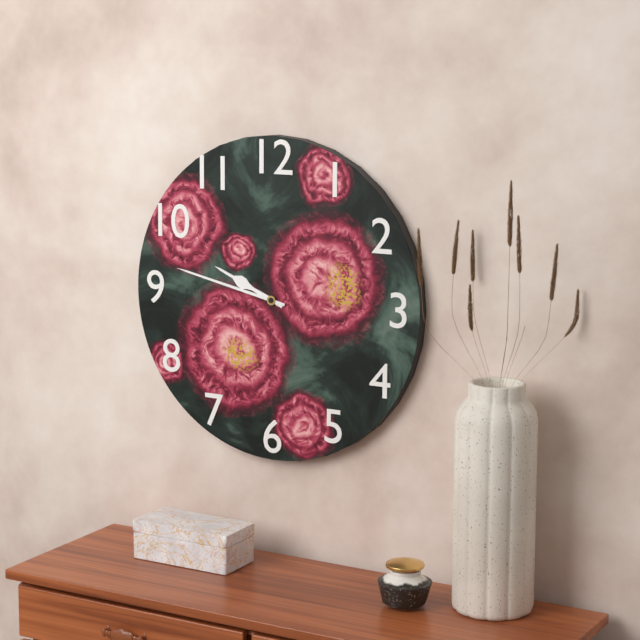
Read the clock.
9:47
